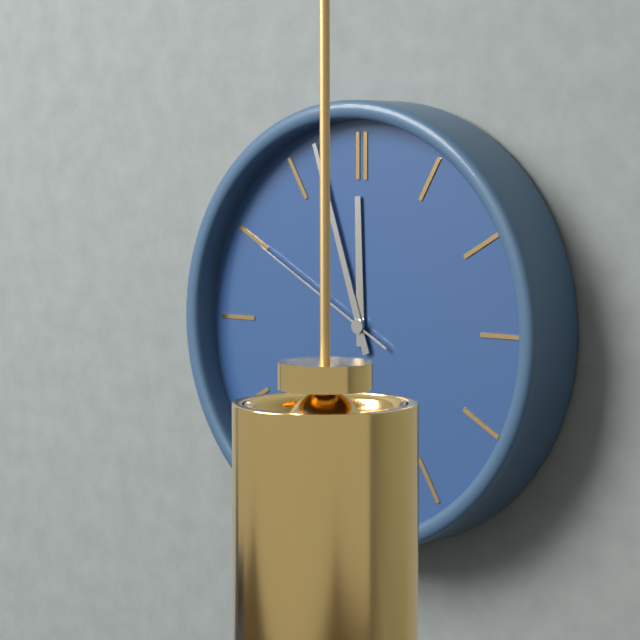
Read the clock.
11:57:50
